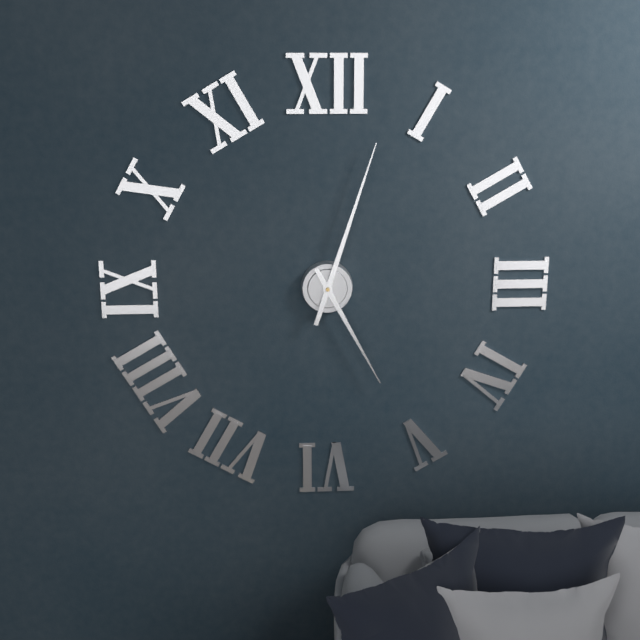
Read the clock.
5:03
